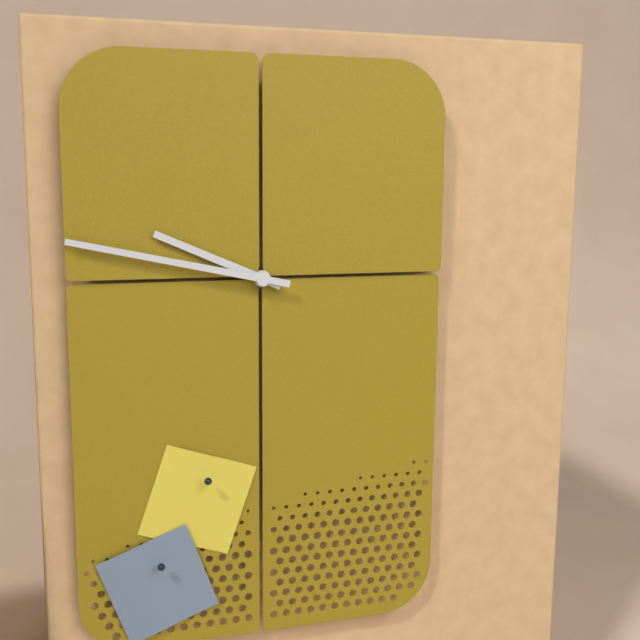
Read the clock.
9:47
